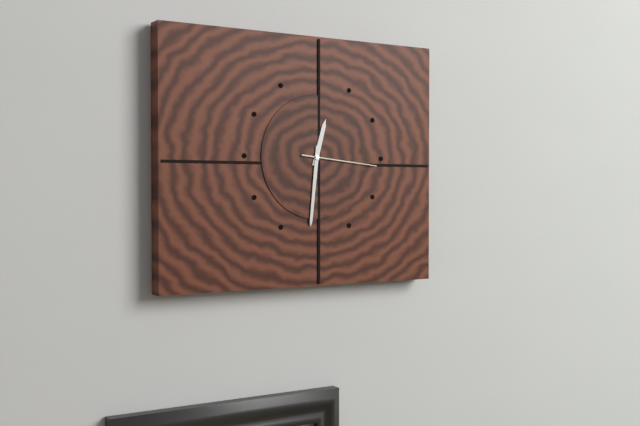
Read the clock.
12:31:16
